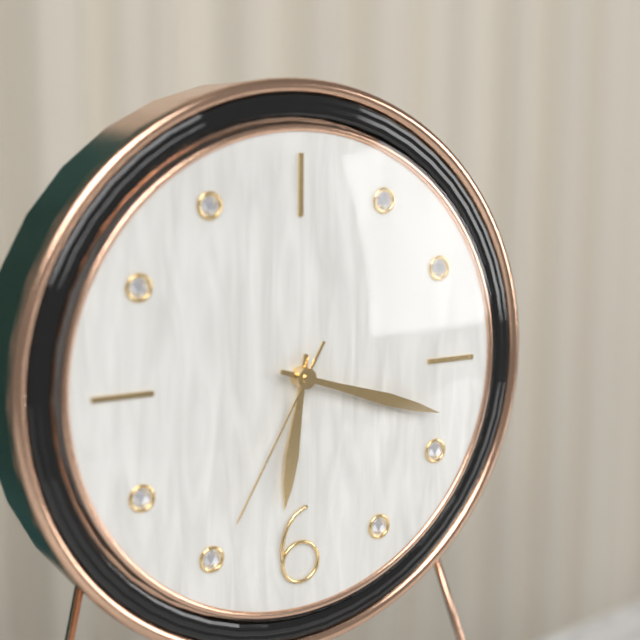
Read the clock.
6:18:35
